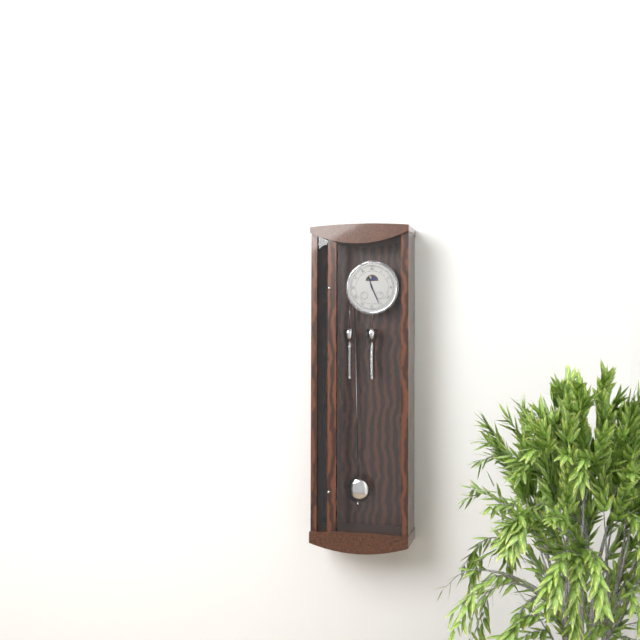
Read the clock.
11:26
